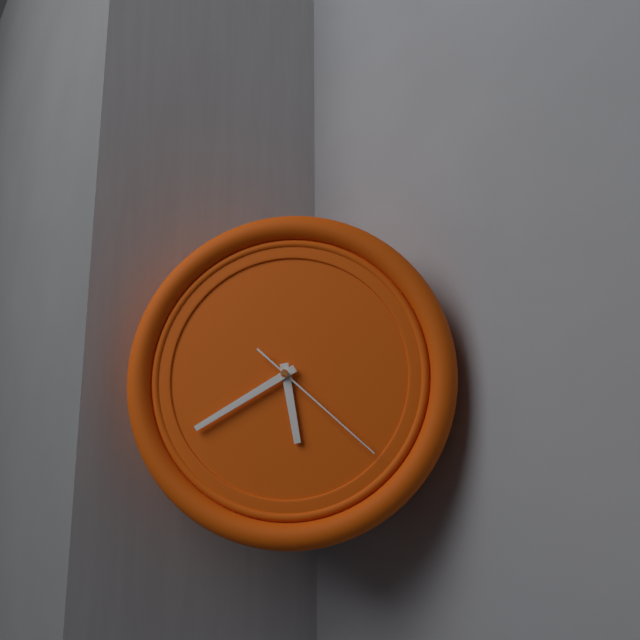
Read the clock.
5:40:22
